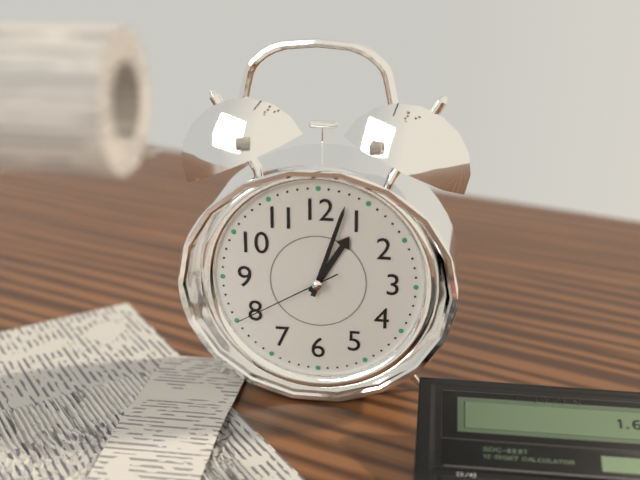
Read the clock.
1:03:40
